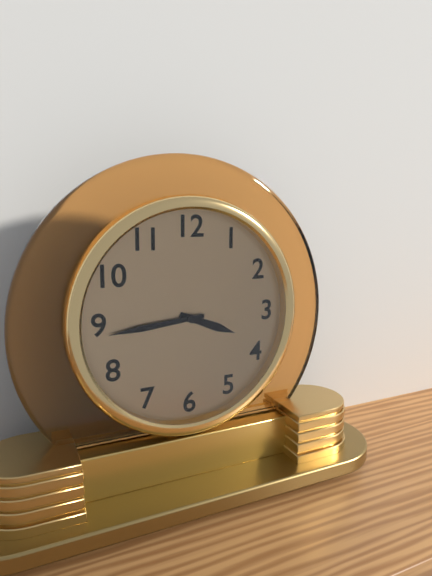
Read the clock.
3:44
